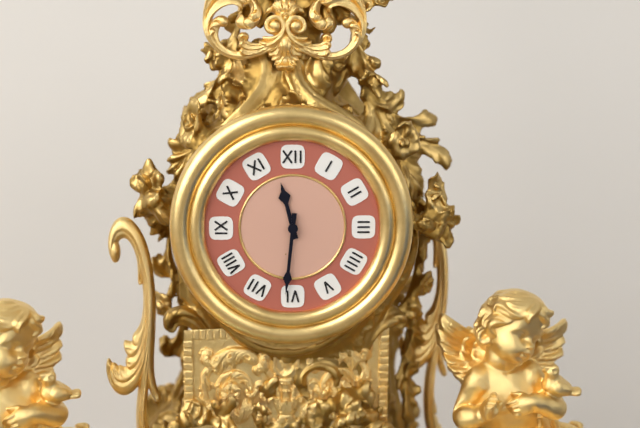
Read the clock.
11:31
